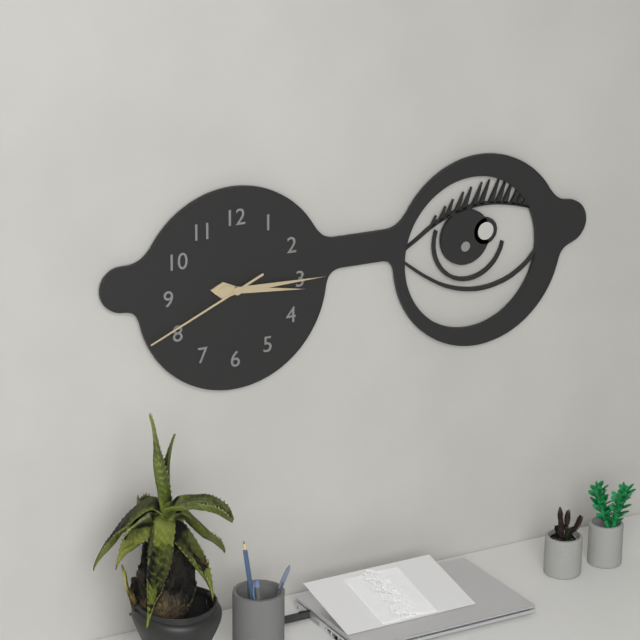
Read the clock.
3:15:41
